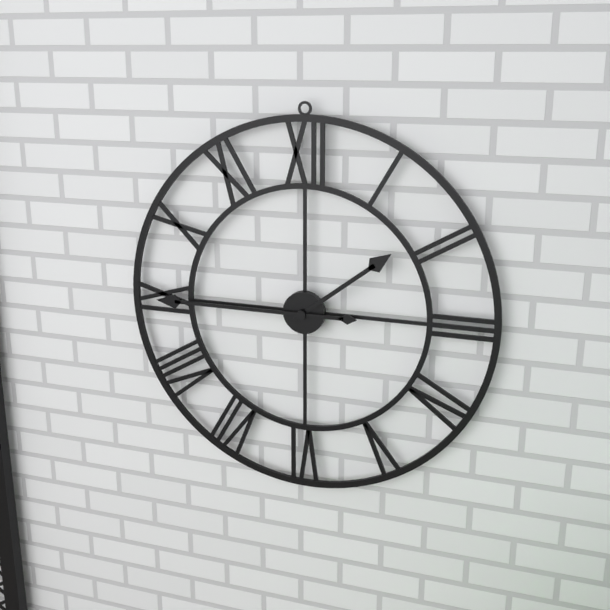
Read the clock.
1:45
